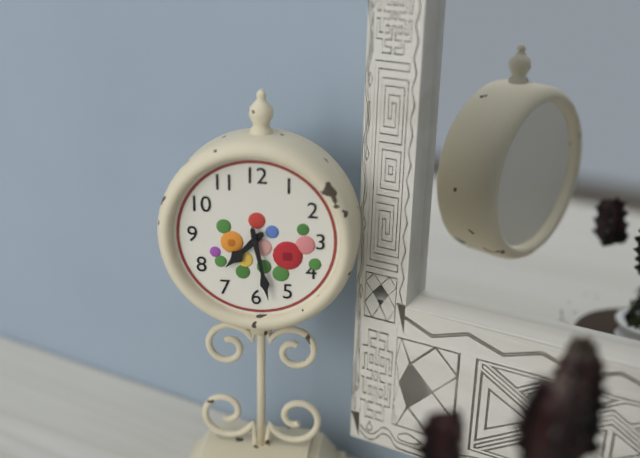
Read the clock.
7:28
